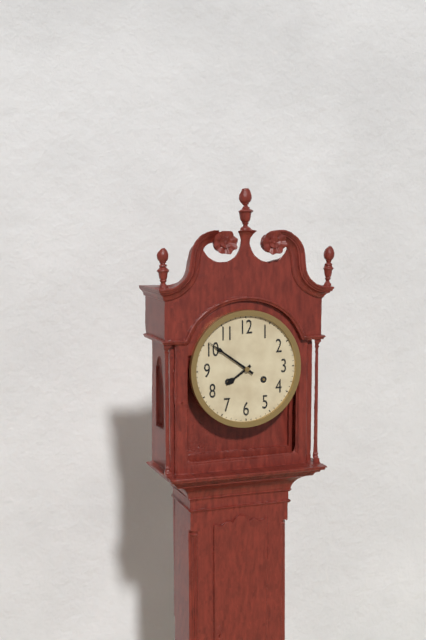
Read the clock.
7:51
